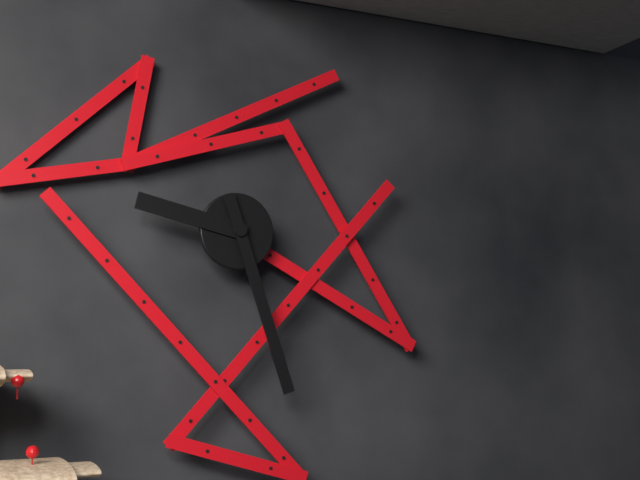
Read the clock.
9:27
